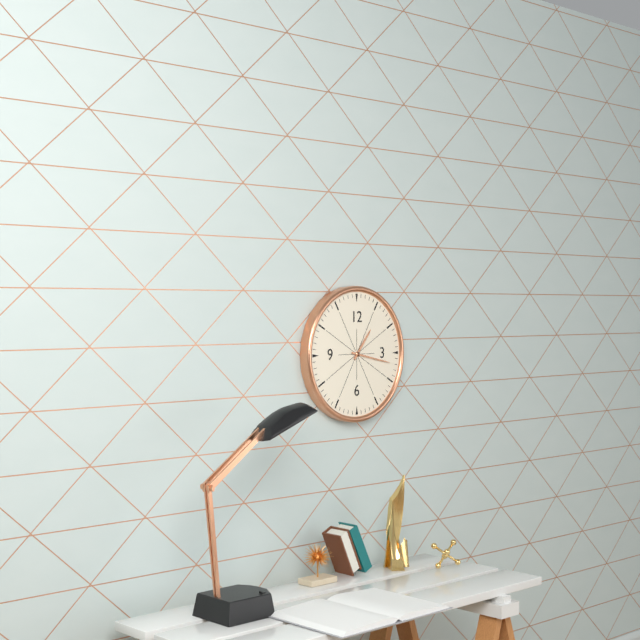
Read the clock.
1:17
